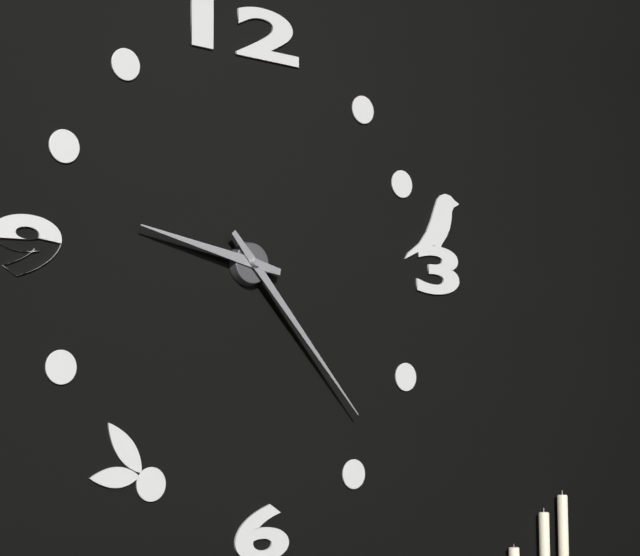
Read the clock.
9:23
